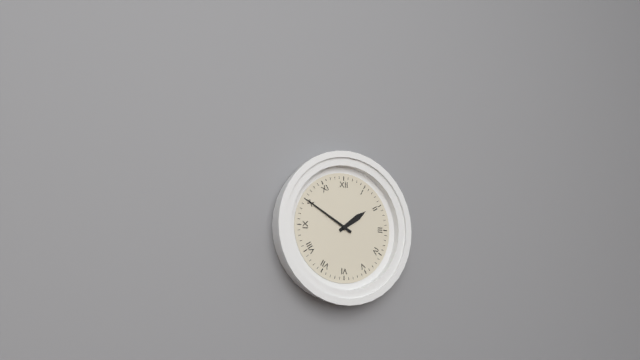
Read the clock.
1:50
